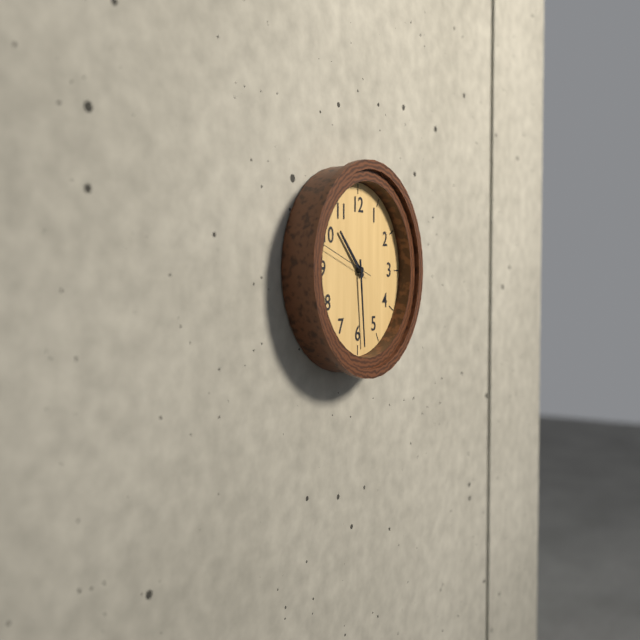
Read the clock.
10:29:48
